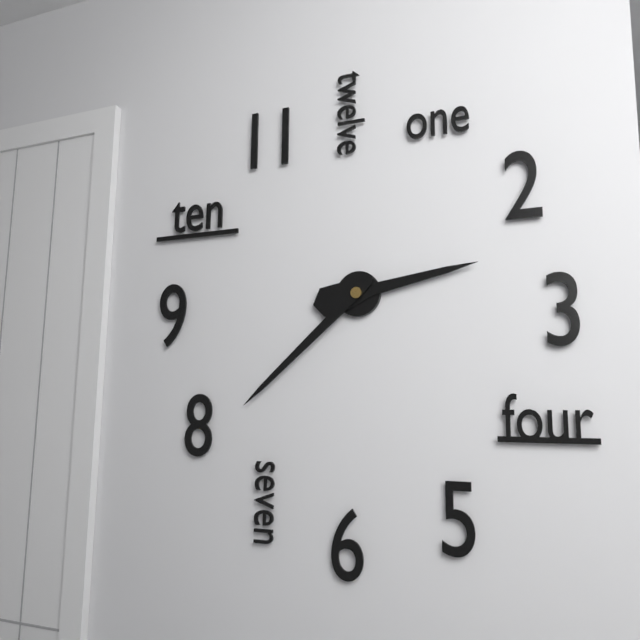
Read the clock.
2:38
